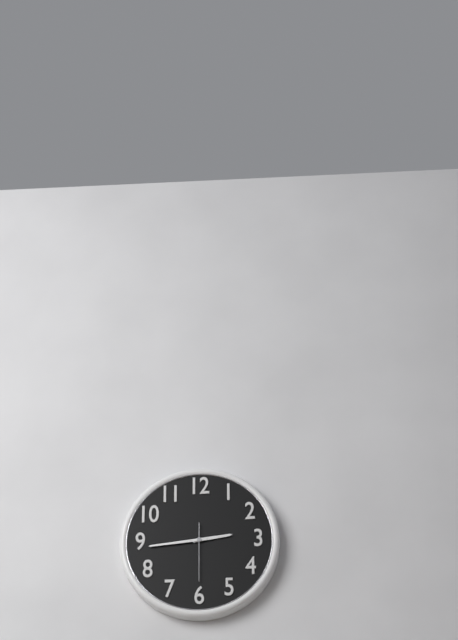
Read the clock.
2:44:30
